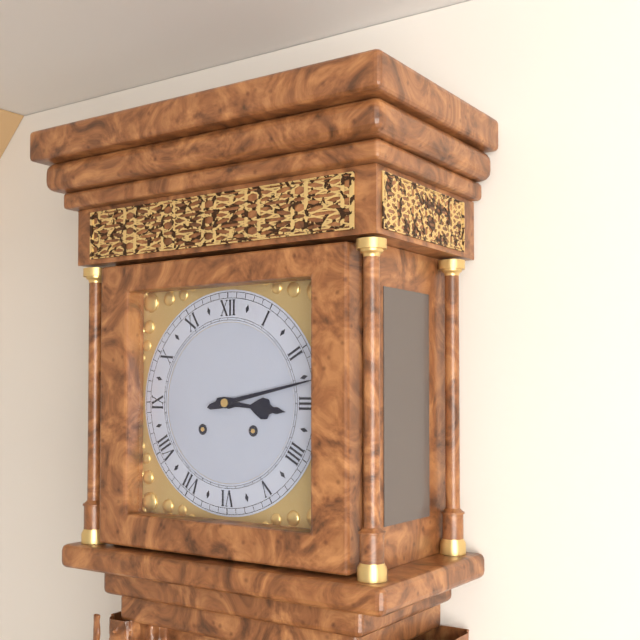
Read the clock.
3:13
